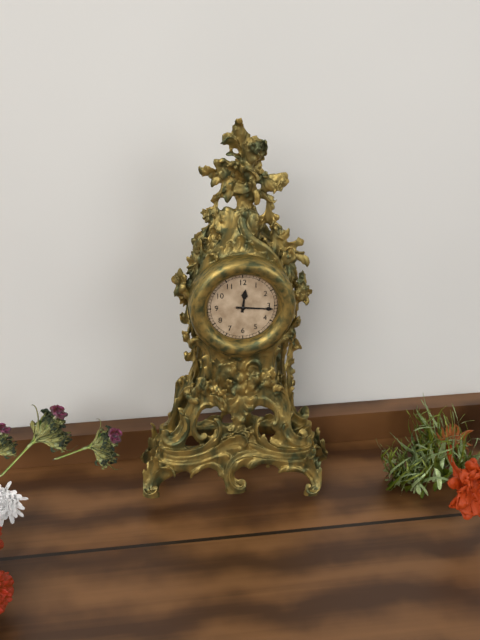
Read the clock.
12:16
